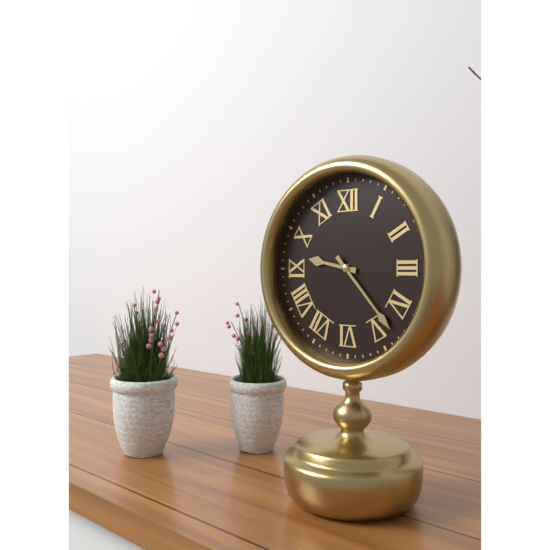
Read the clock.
9:23
